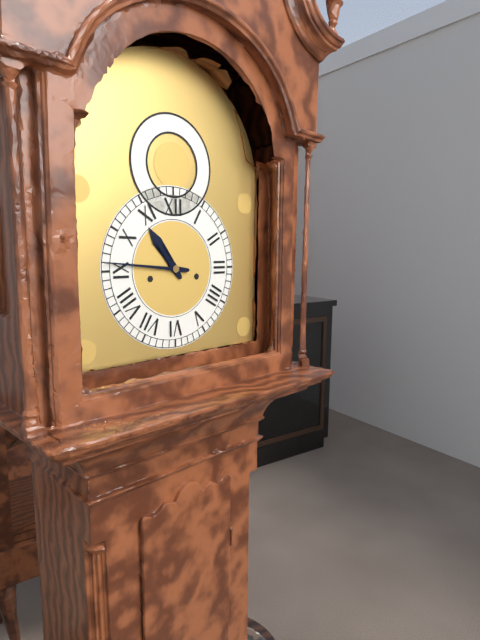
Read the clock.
10:46
